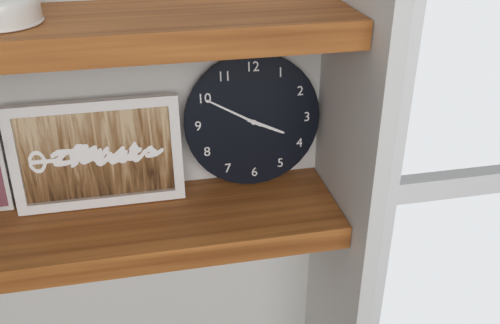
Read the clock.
3:50
